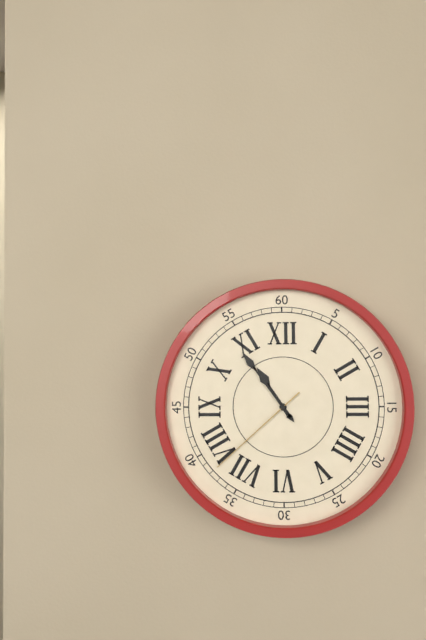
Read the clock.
10:54:38
